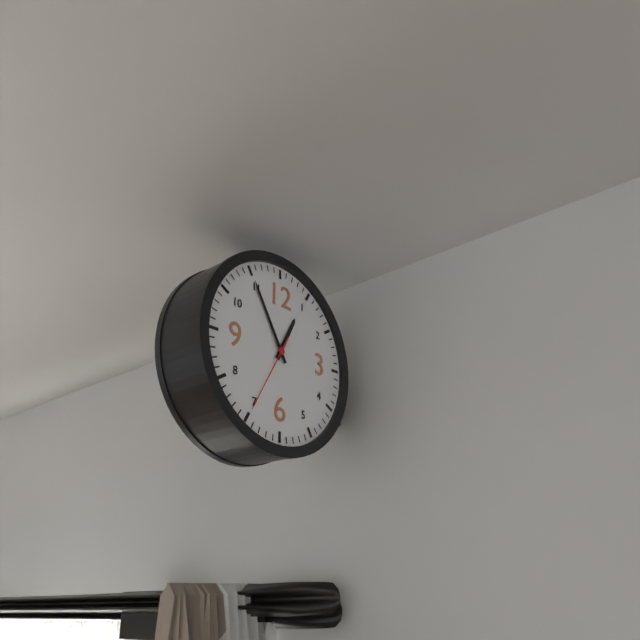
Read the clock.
12:55:35
